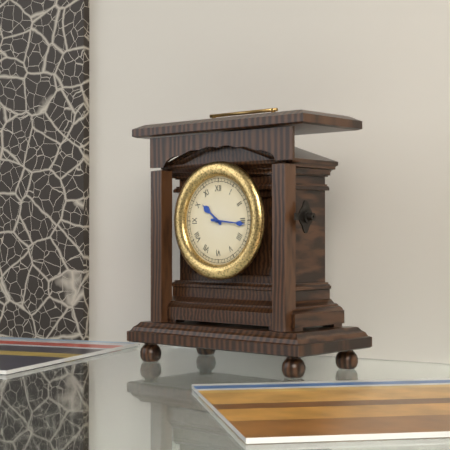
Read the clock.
10:16
